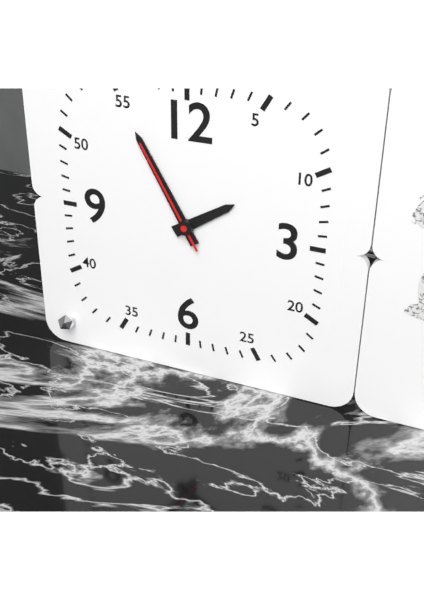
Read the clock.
1:55:55
